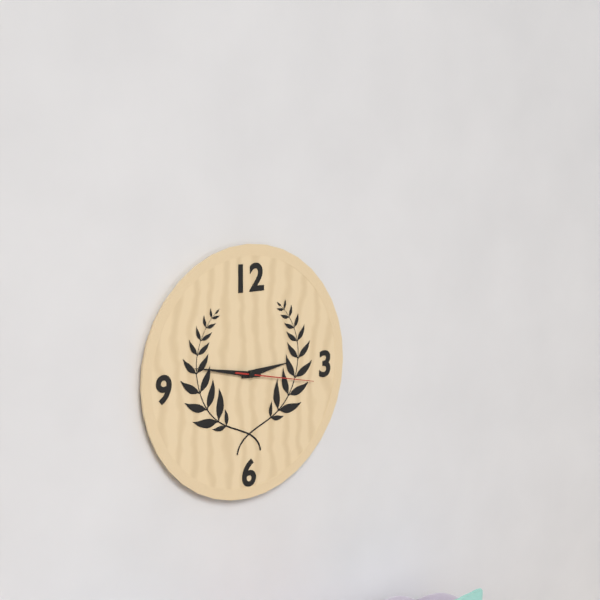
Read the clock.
2:47:17
